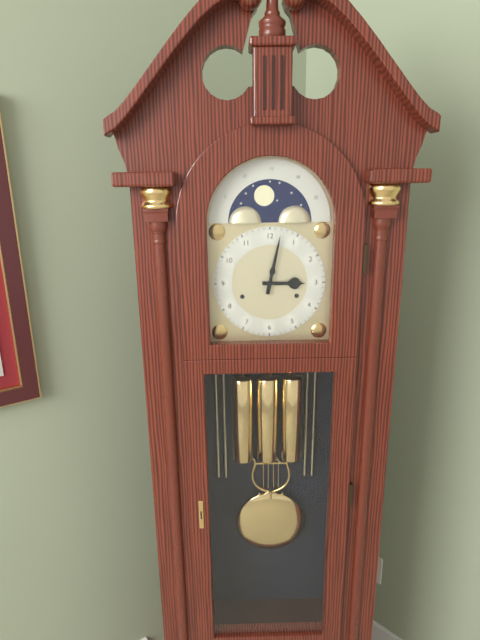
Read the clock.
3:02
